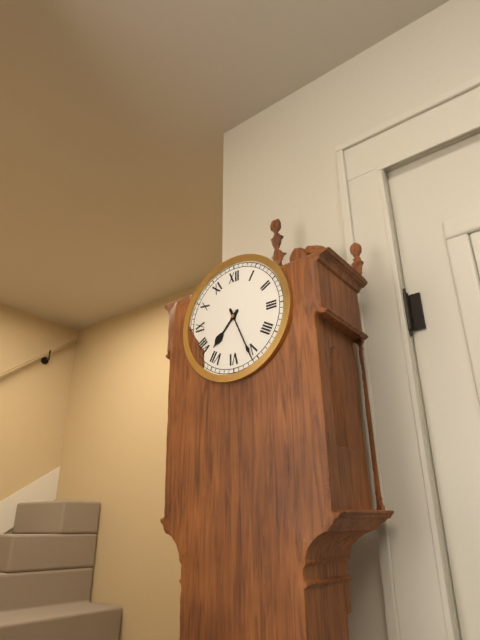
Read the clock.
7:26
